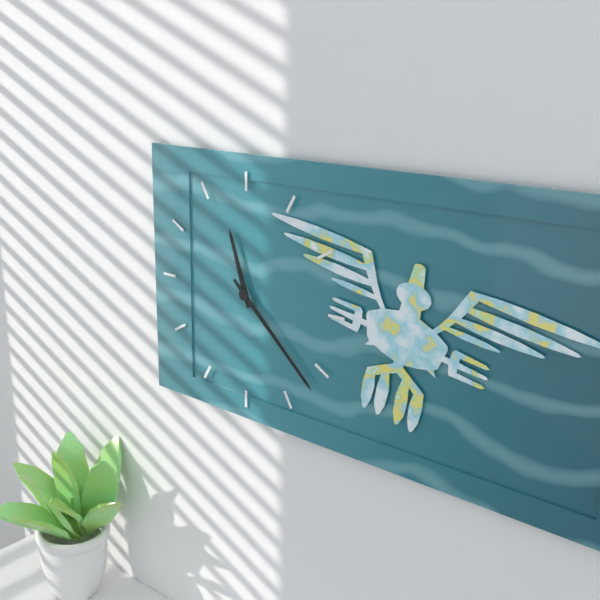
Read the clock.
11:22
